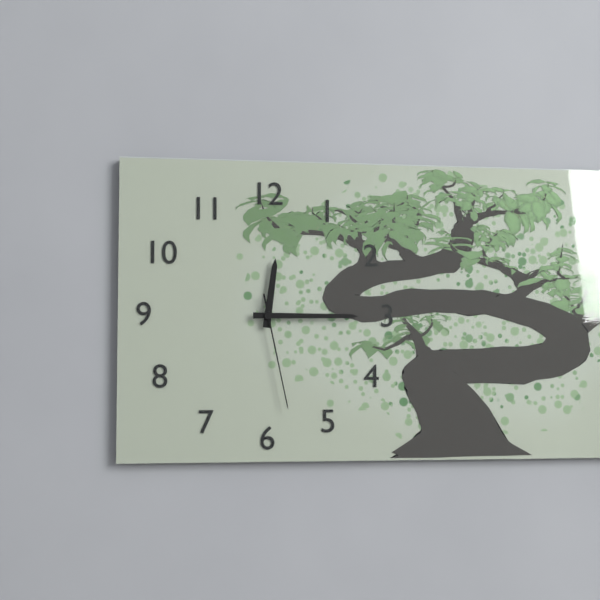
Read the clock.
12:15:28
